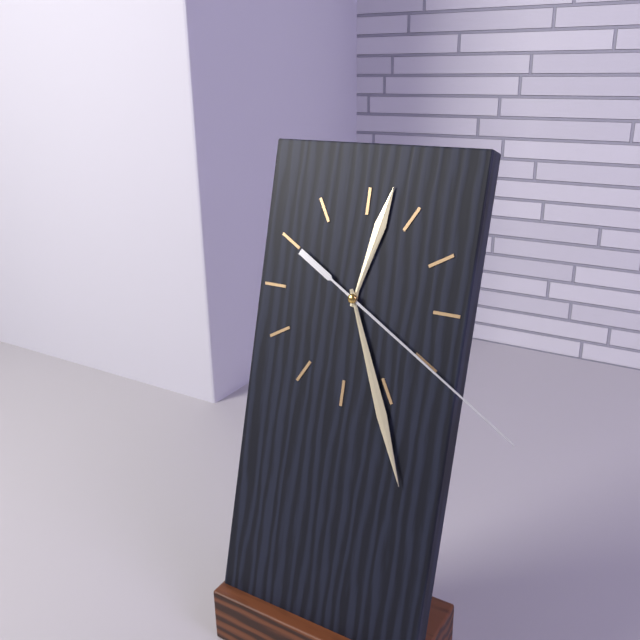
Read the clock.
12:26:20
